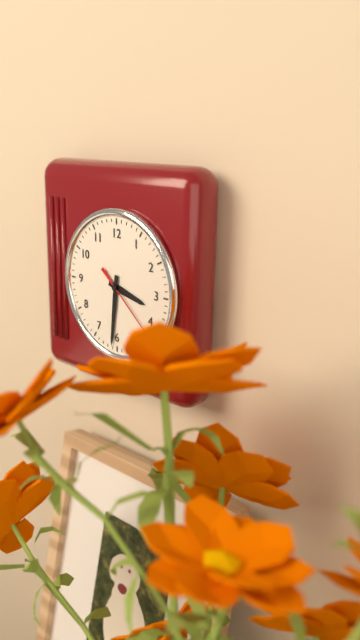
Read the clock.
3:31:22
